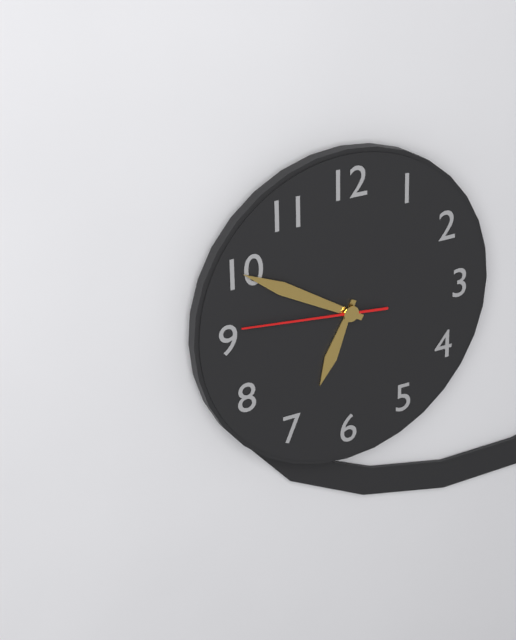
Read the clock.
6:50:46
